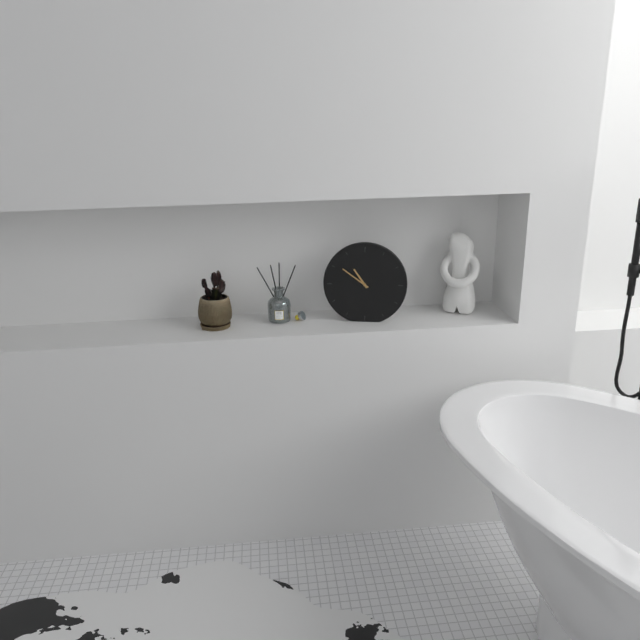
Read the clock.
10:51
